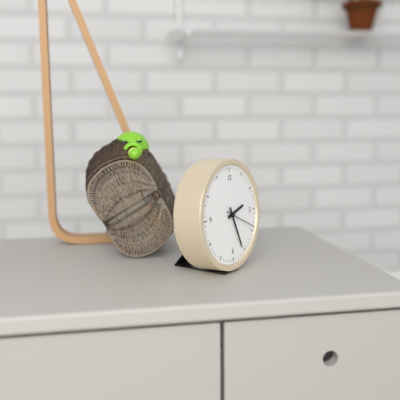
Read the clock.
2:26
